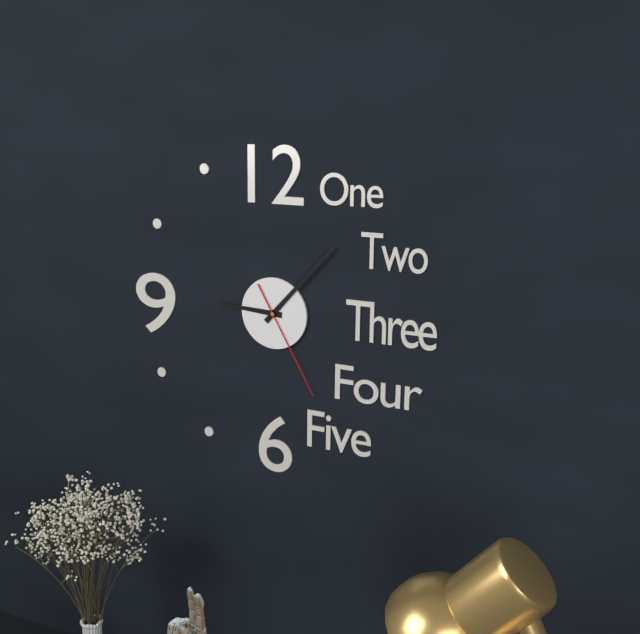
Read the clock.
9:07:25
